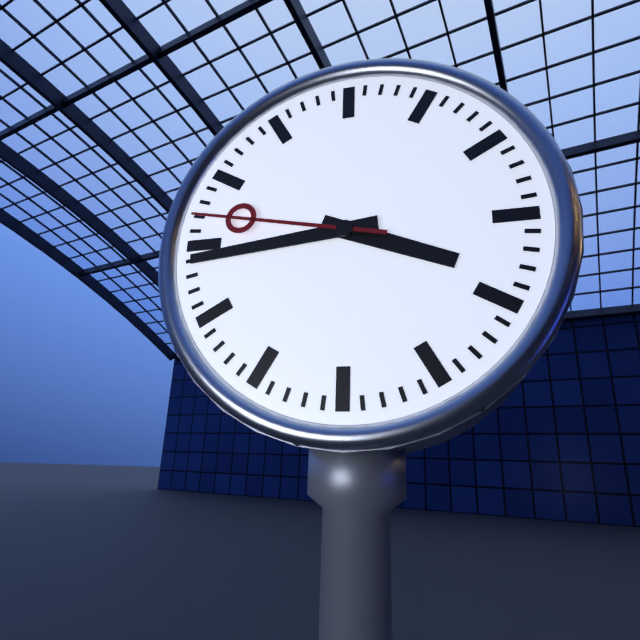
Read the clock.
3:44:47
